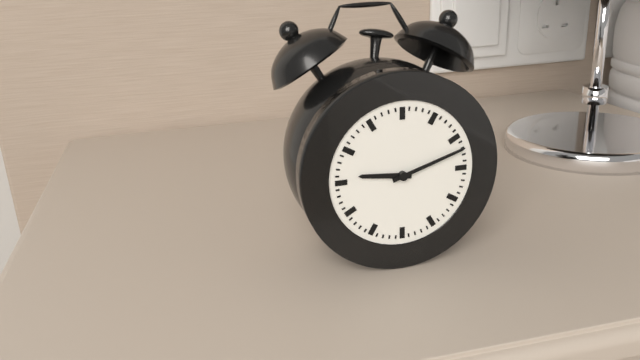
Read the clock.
9:12
